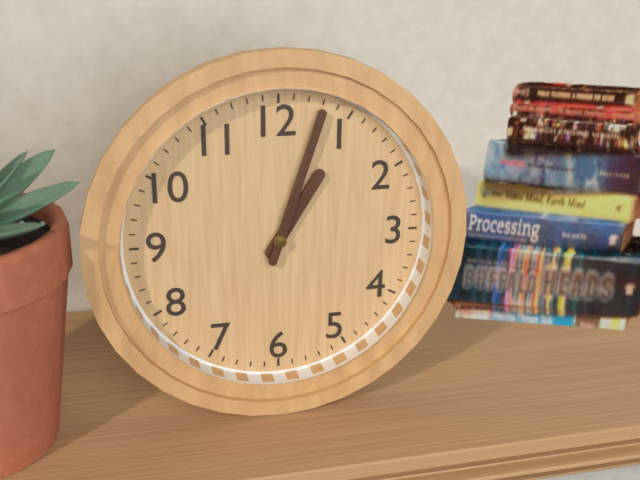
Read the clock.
1:03
